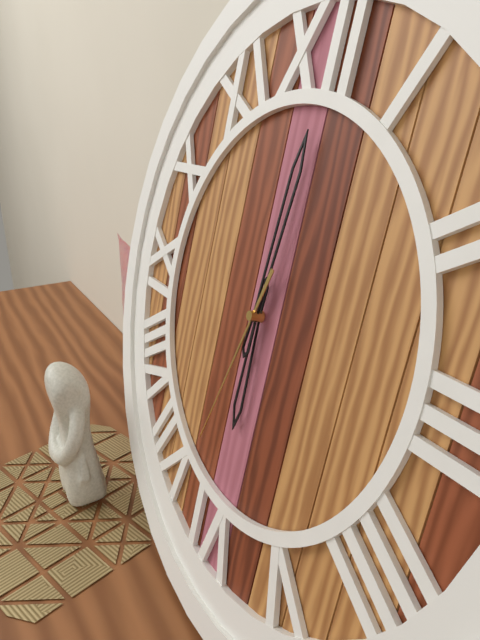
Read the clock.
6:01:33
